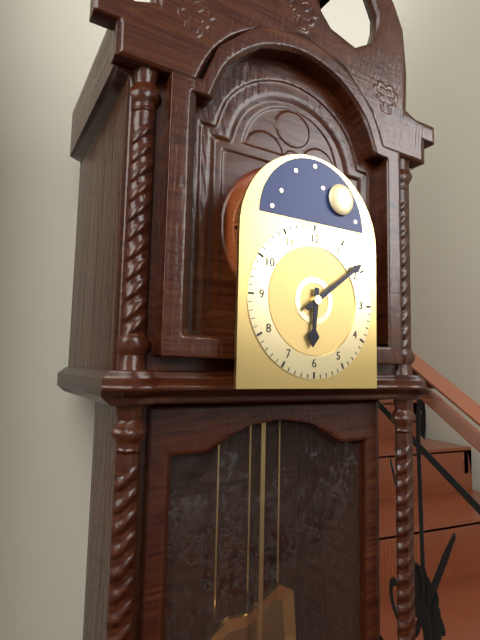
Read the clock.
6:09
